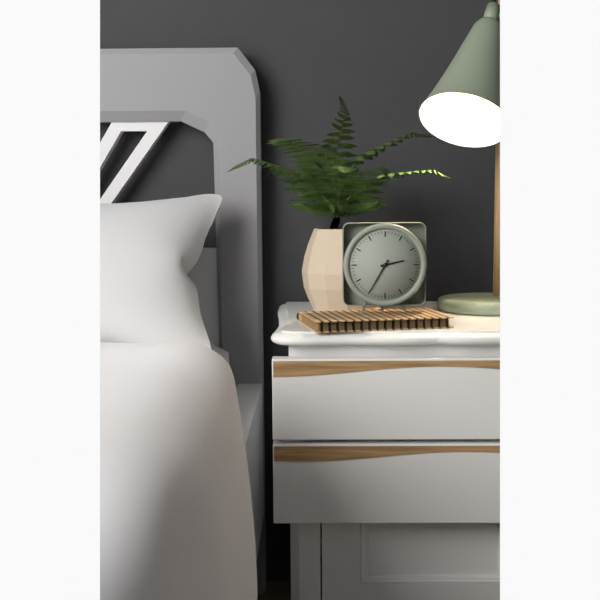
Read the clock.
2:35
